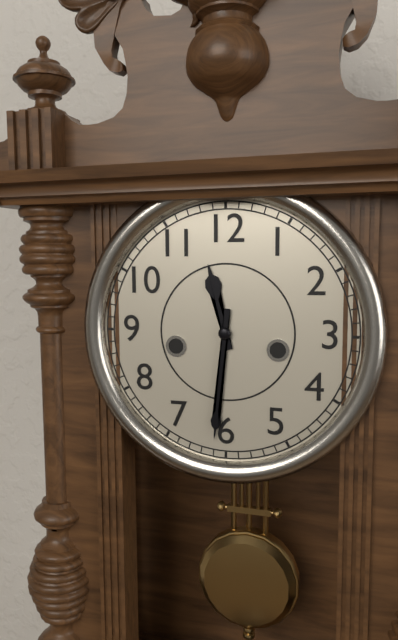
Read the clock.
11:31
